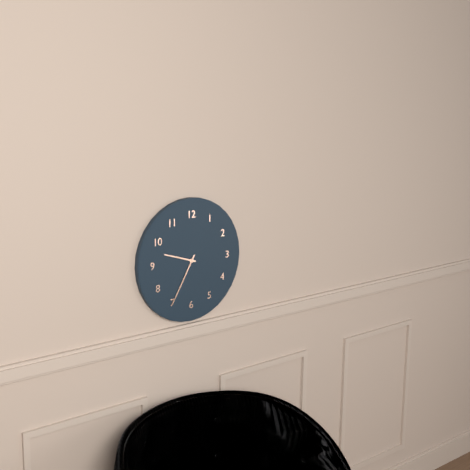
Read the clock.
9:35
